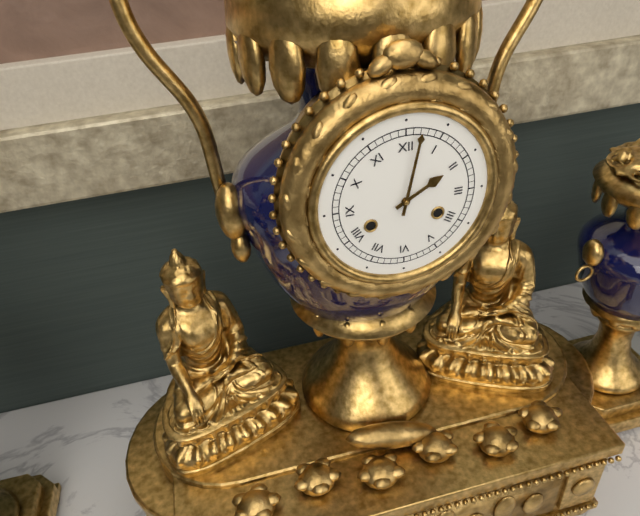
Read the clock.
2:02
